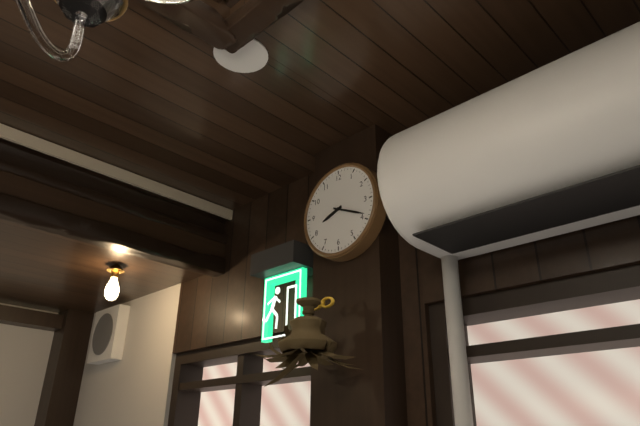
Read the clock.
8:19
